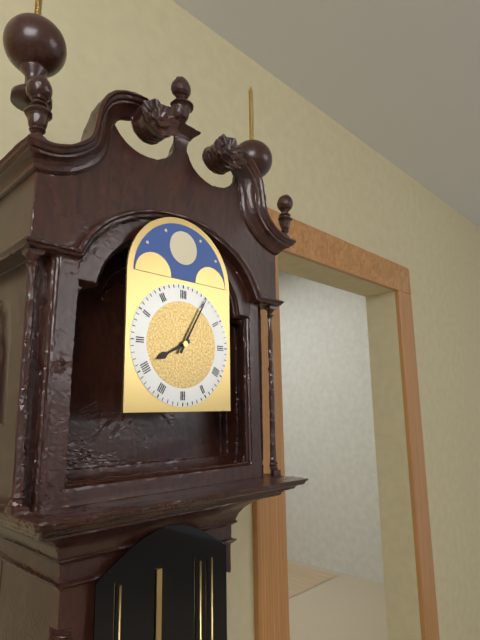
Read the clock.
8:05
